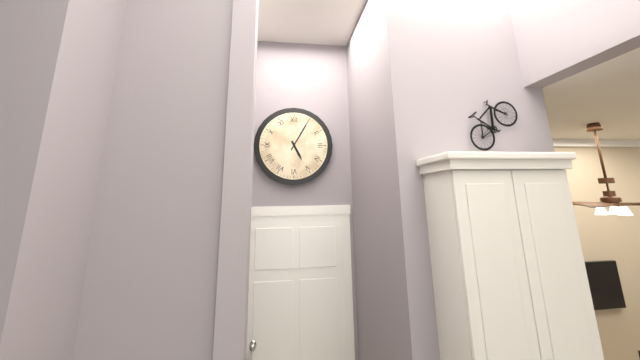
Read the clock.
5:05
